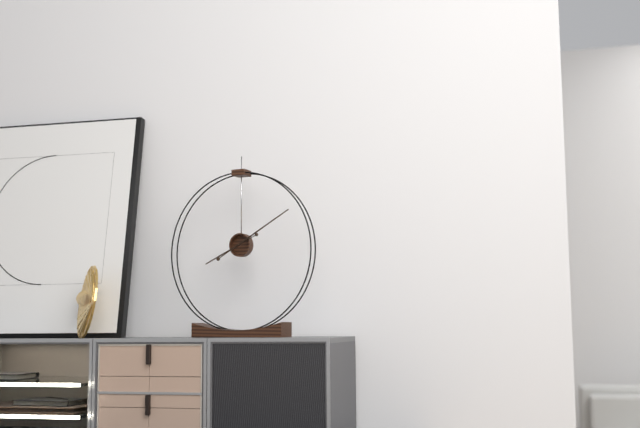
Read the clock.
8:10
